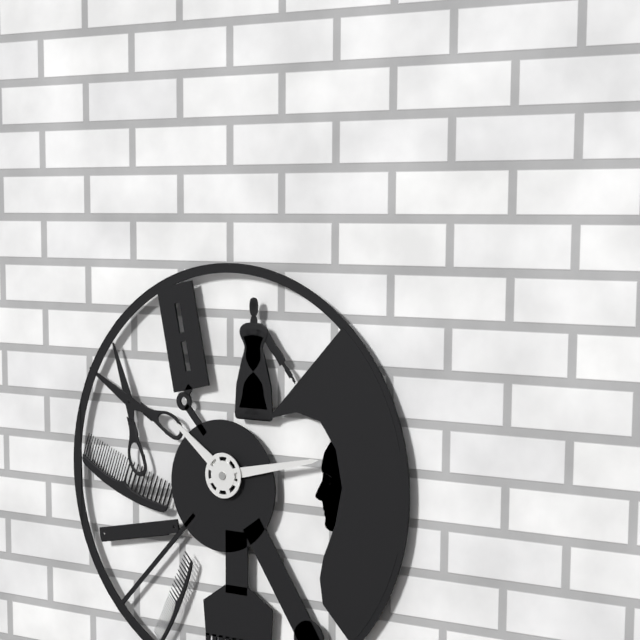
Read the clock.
10:13
